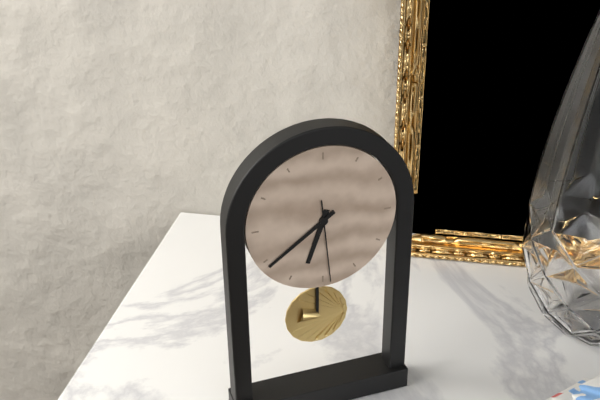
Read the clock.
6:39:29
